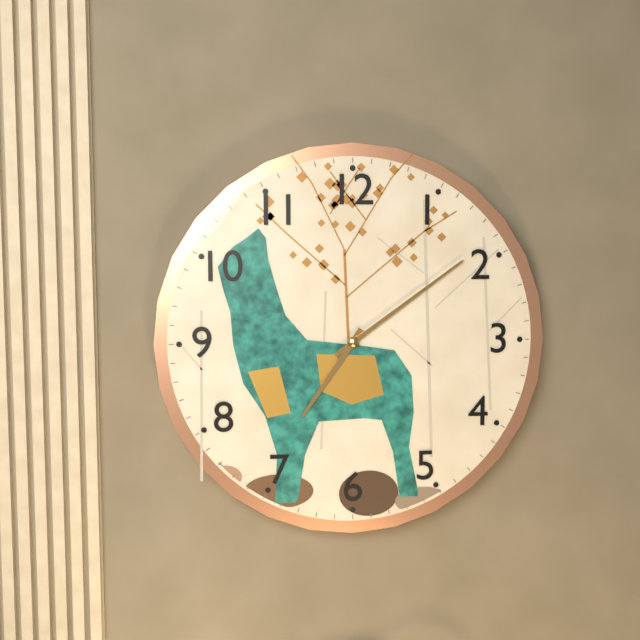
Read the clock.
7:09
